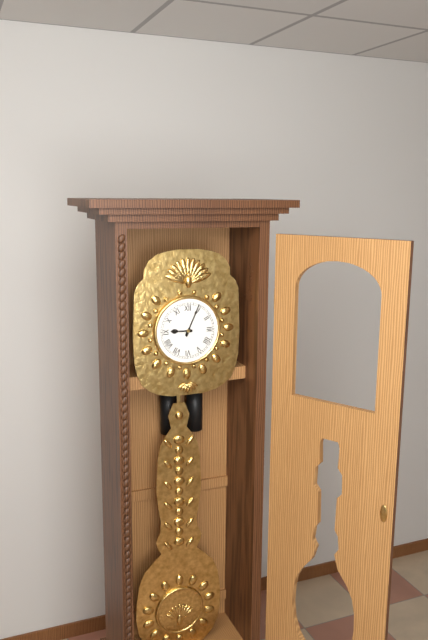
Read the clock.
9:04
